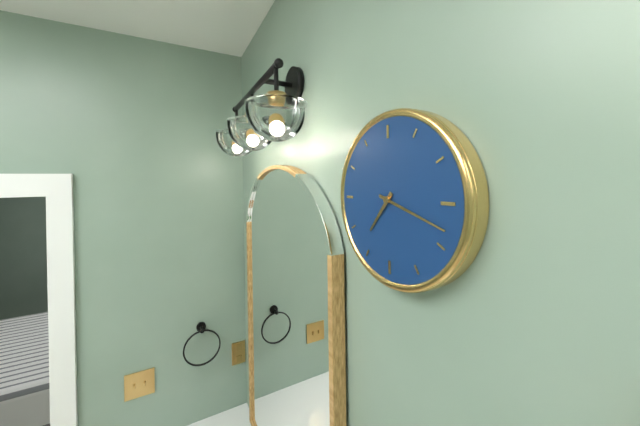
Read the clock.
7:18
